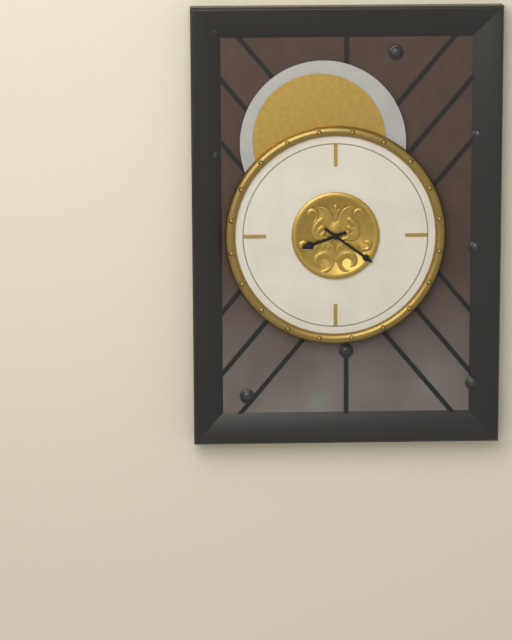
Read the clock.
8:21
